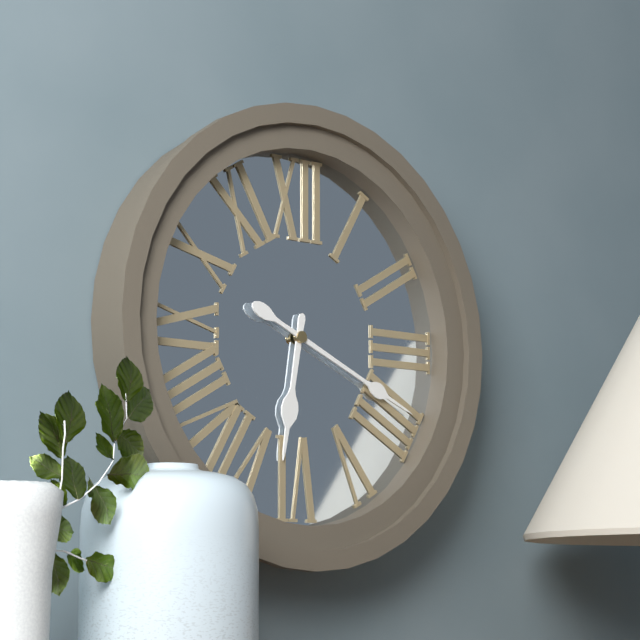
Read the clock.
6:19
